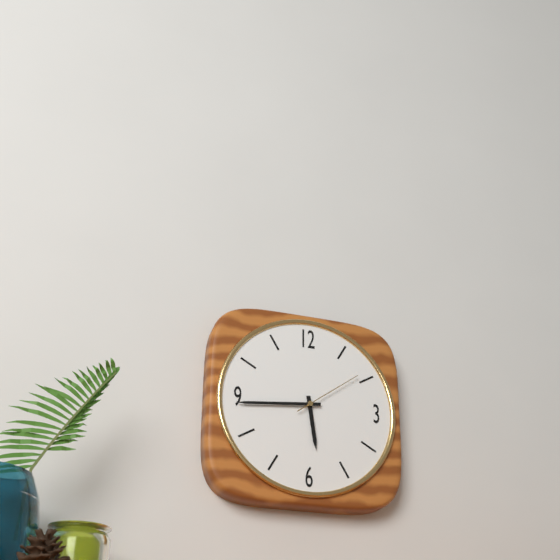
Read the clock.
5:44:09
